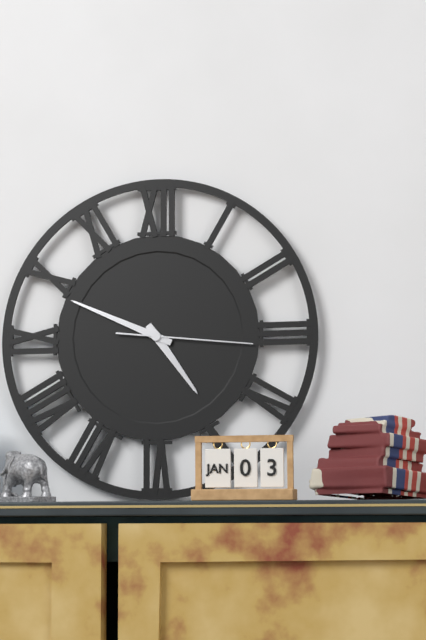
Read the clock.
4:49:16
